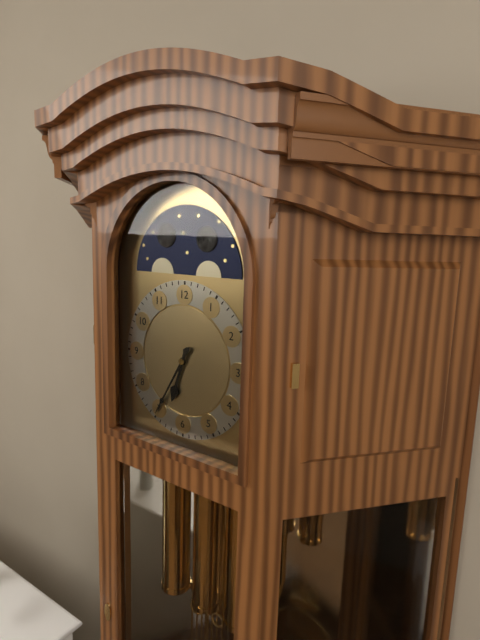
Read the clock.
6:35
